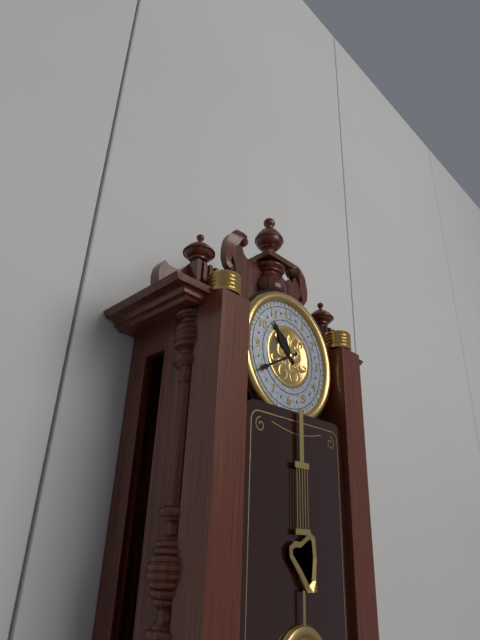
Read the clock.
10:40
